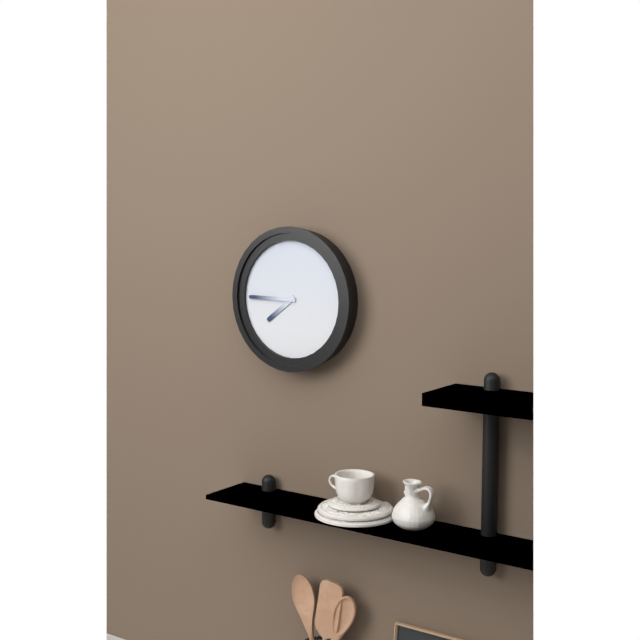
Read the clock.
7:45
